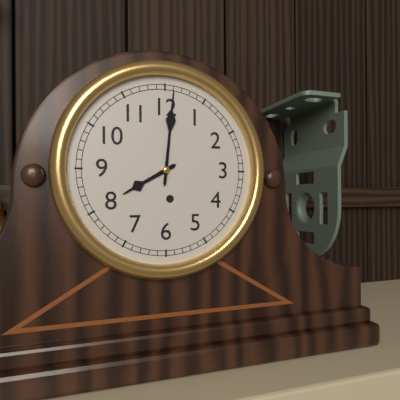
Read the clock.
8:01
